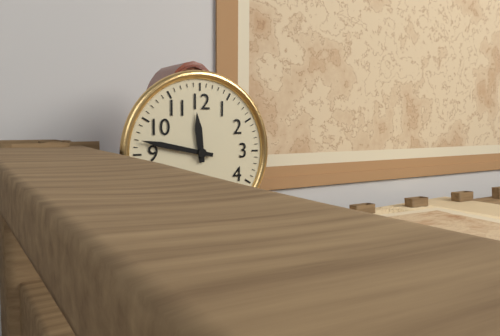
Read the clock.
11:47
